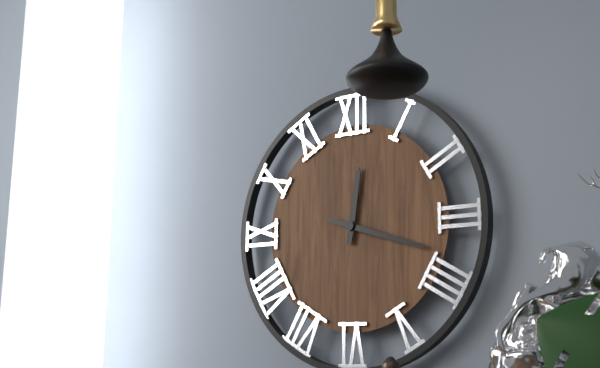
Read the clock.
12:18
